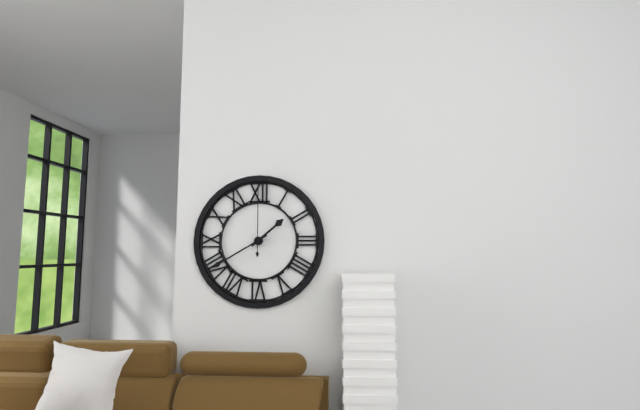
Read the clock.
1:40:00
